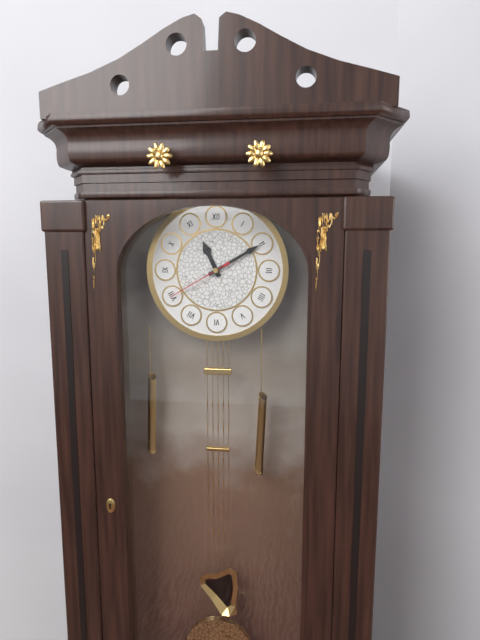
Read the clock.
11:10:40
